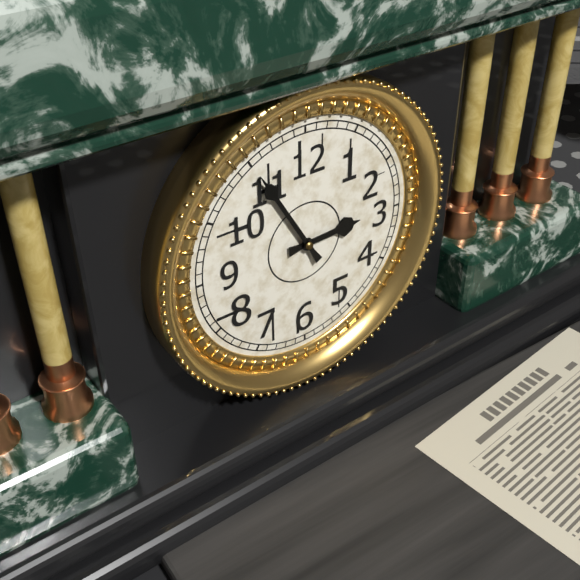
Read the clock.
2:55
